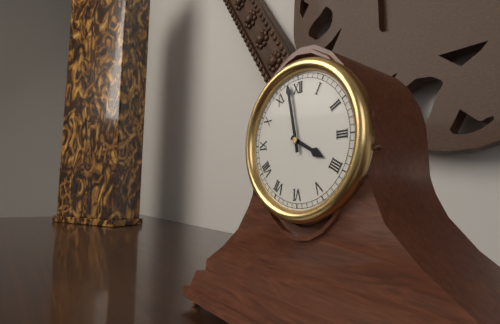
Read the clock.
3:58
